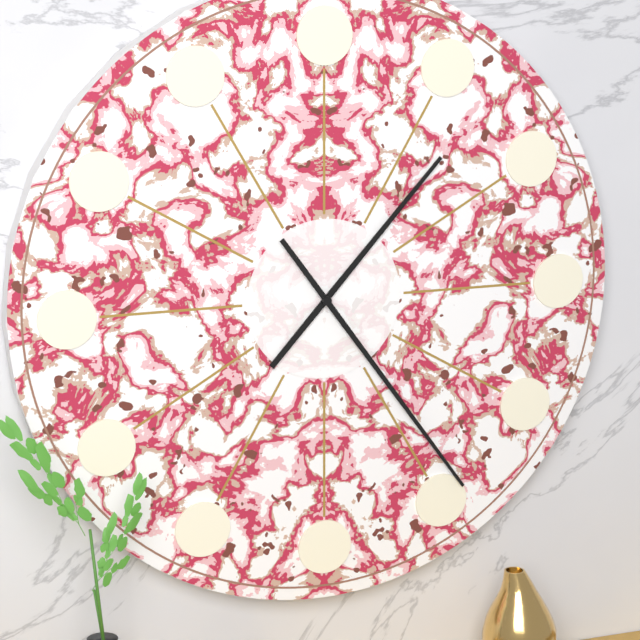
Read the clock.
1:24
